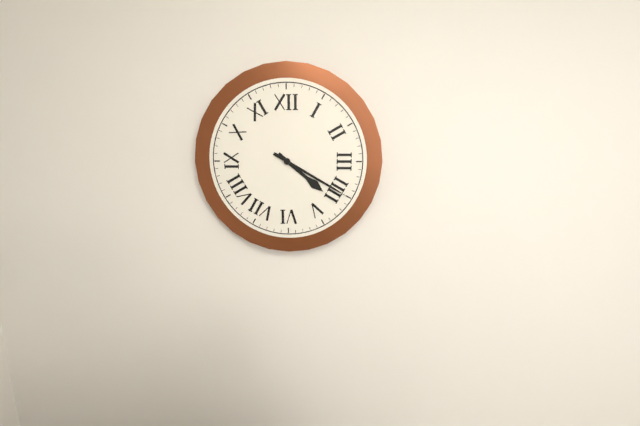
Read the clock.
4:20
